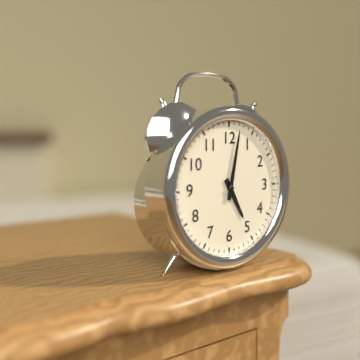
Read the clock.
5:02
